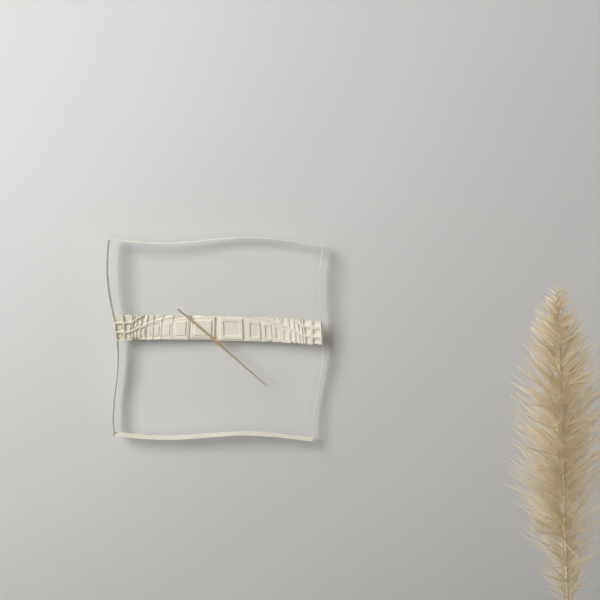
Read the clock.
10:22
